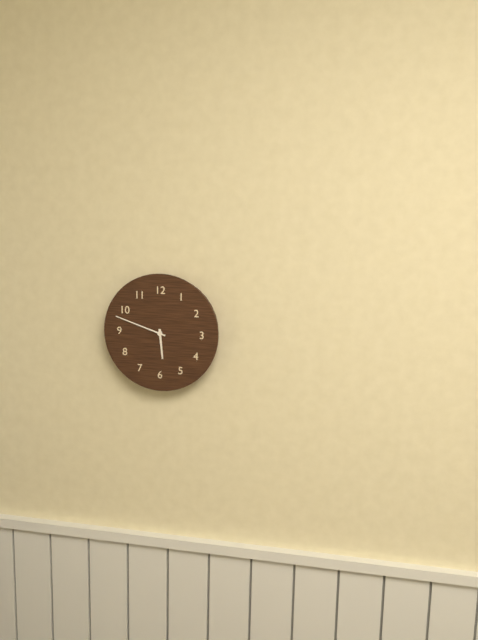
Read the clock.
5:48
